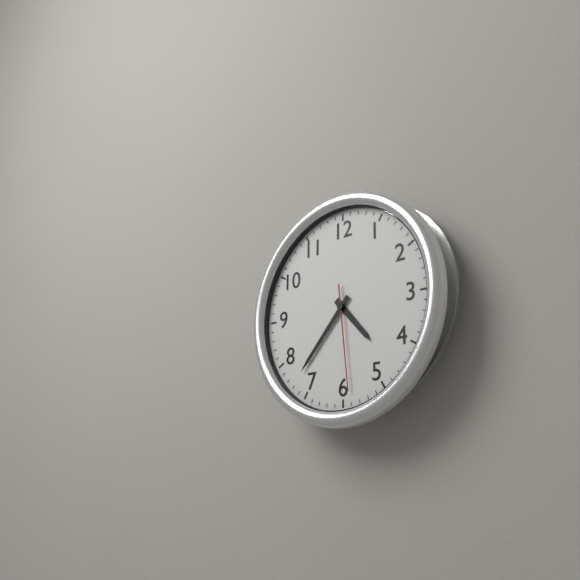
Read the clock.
4:37:29
